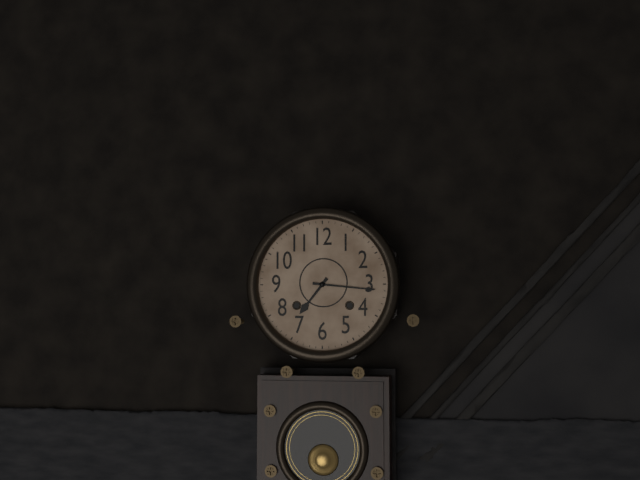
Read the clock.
7:16
